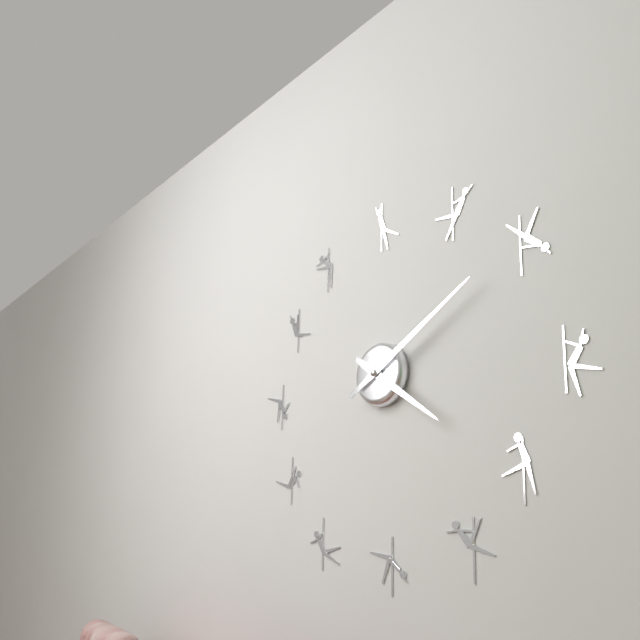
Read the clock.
4:10
